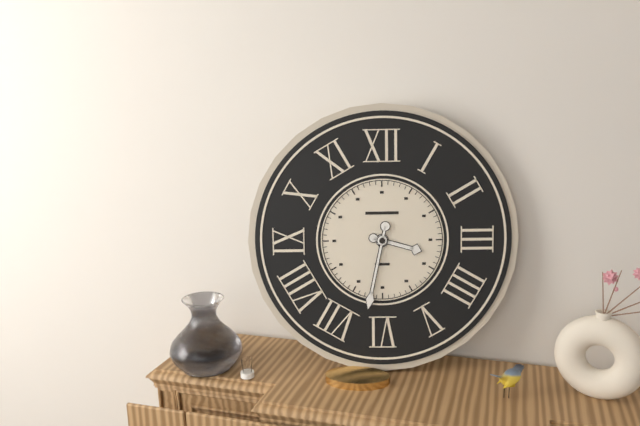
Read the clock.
3:32
